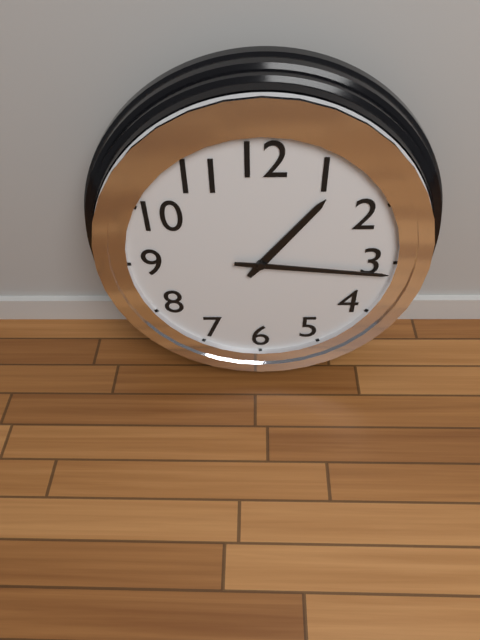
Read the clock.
1:16
